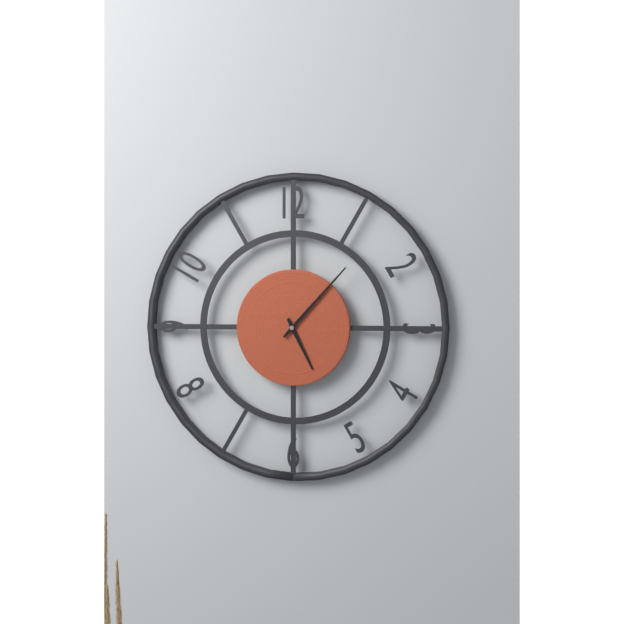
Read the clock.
5:07
